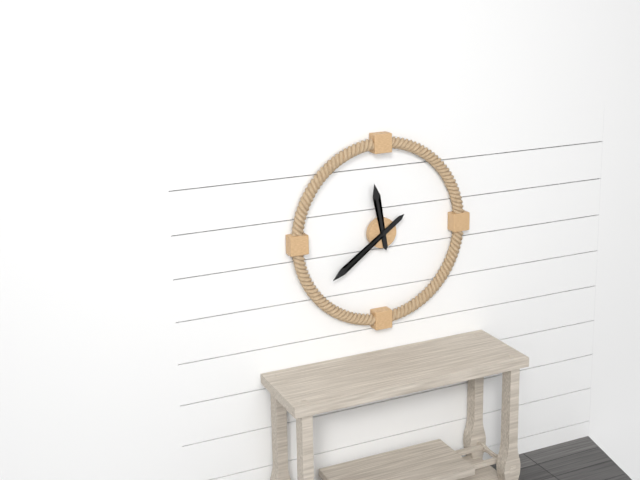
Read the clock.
11:39
